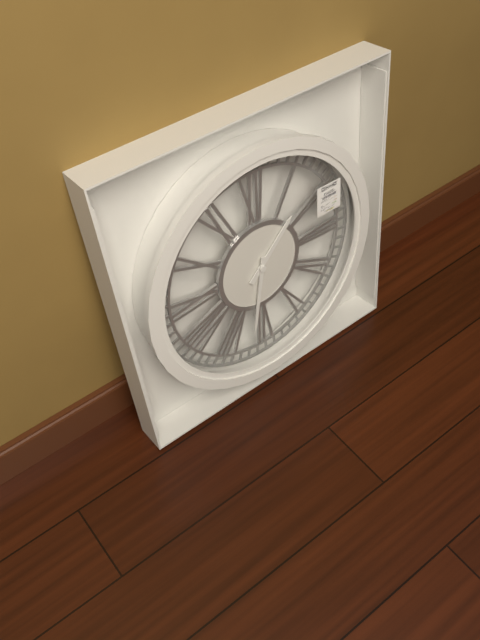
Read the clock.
1:32
